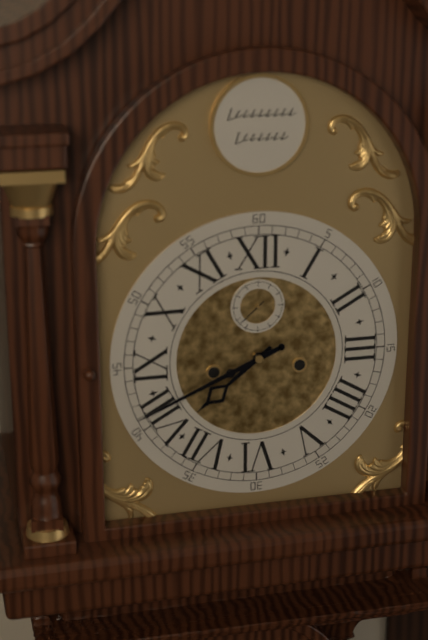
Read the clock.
7:41:38
